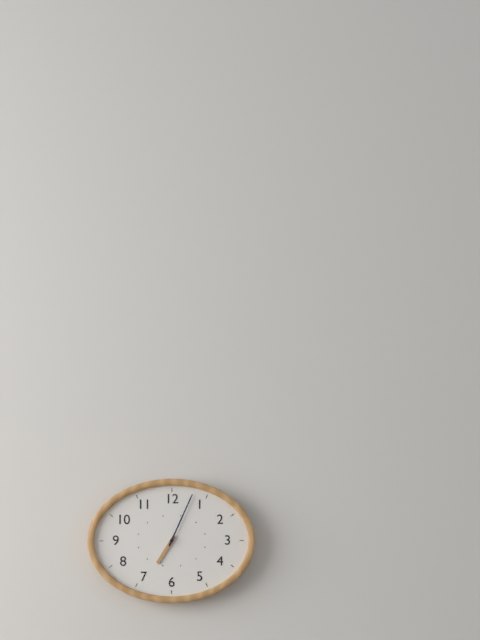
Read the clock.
7:04
